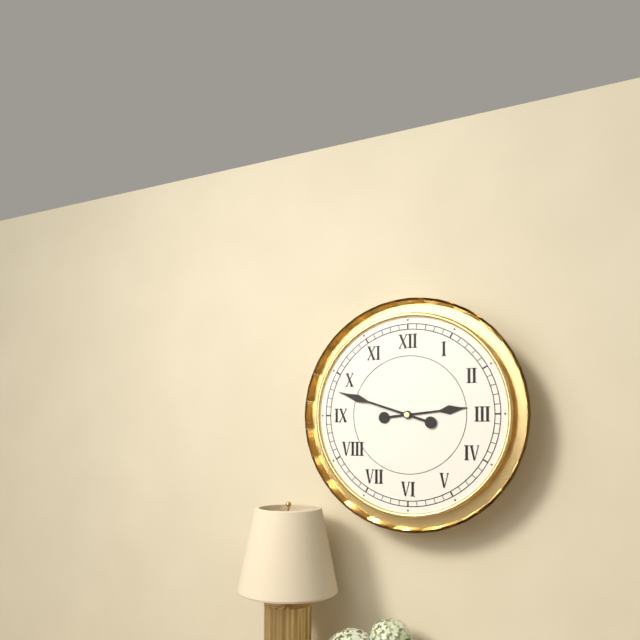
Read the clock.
2:48
